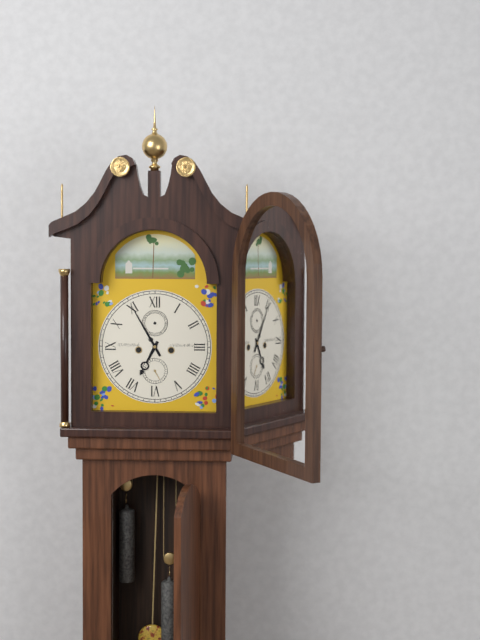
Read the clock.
6:55
